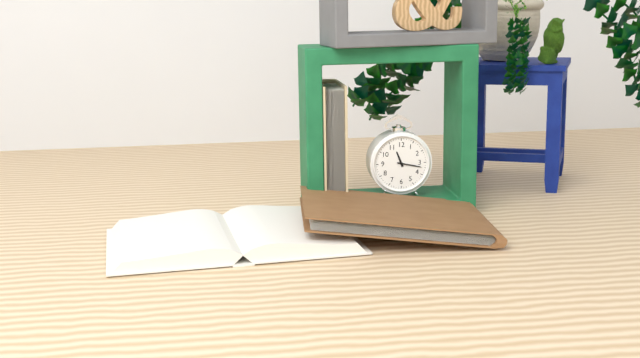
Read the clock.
11:17
